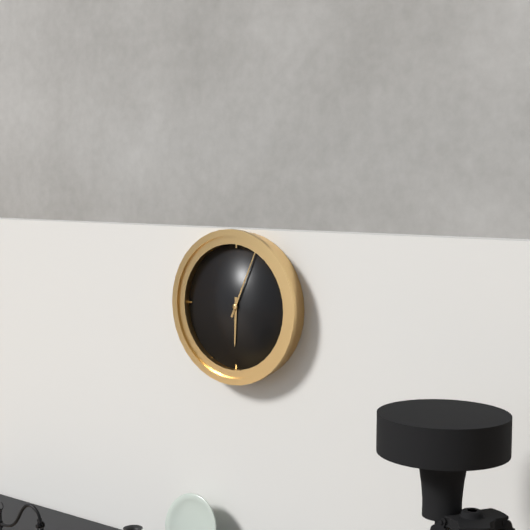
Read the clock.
6:04
